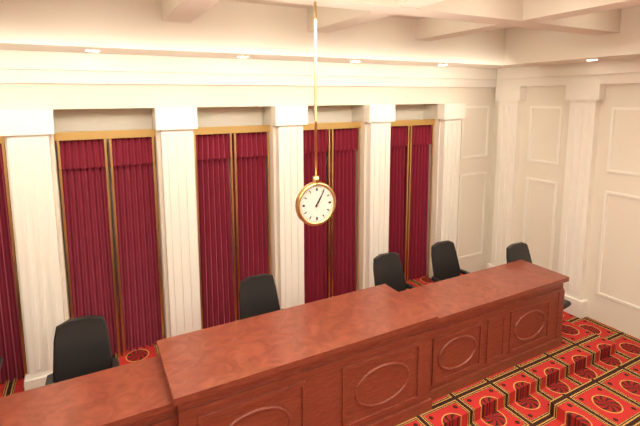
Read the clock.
1:05
